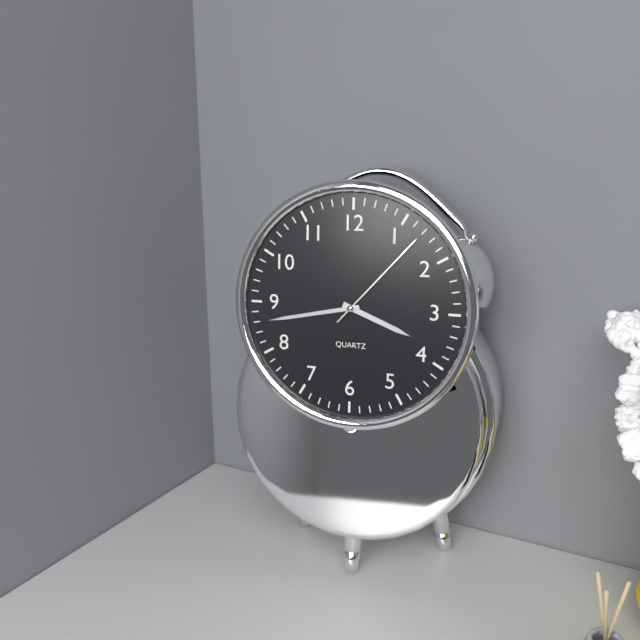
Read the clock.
3:43:07
